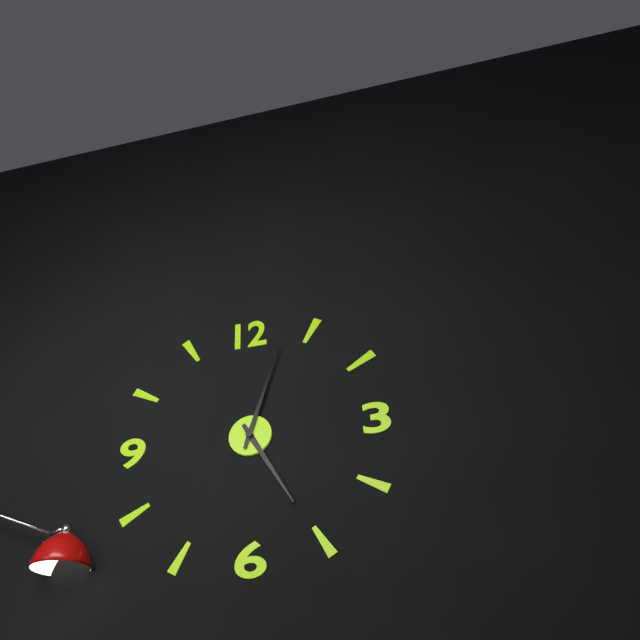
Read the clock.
5:03
